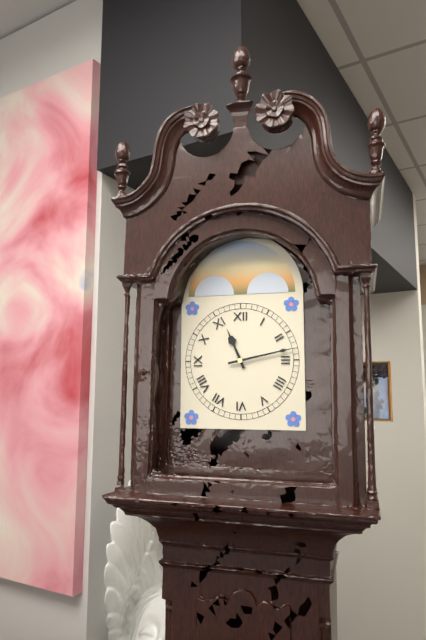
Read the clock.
11:13
